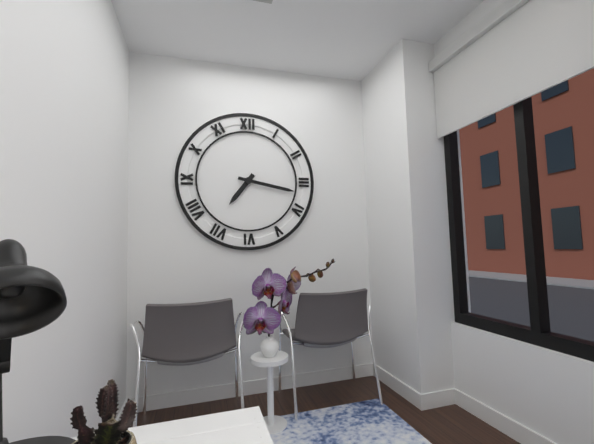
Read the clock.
7:17
